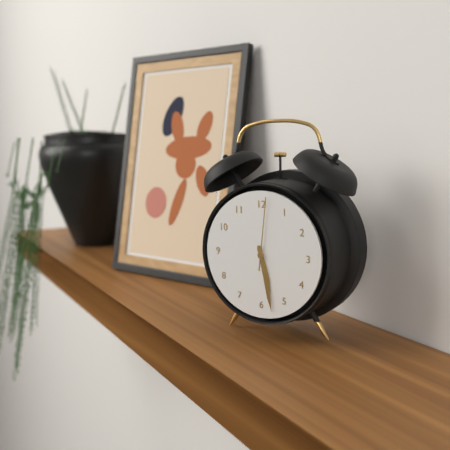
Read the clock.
5:28:01
